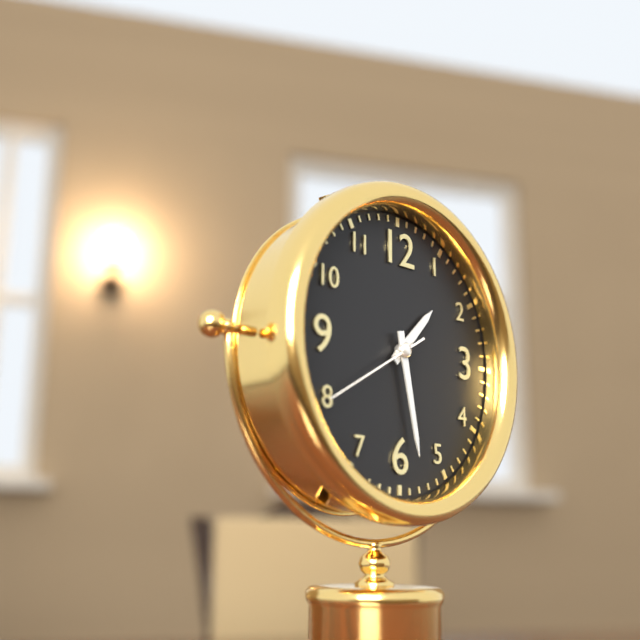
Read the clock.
1:28:40
